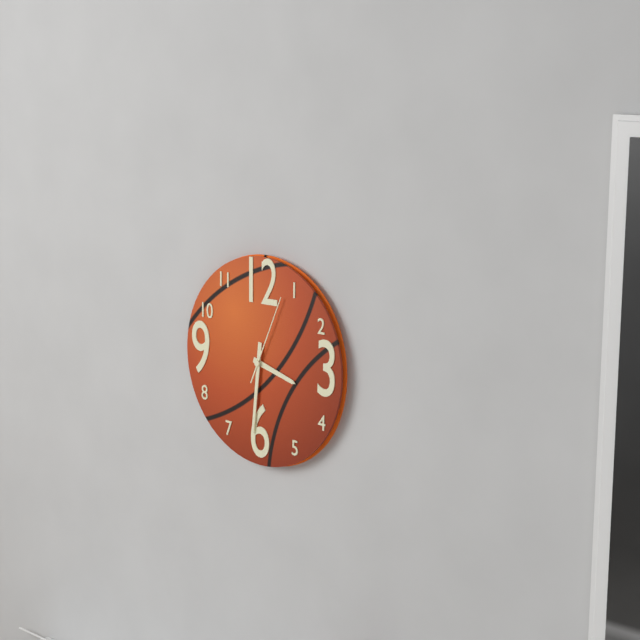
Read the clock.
3:31:04
